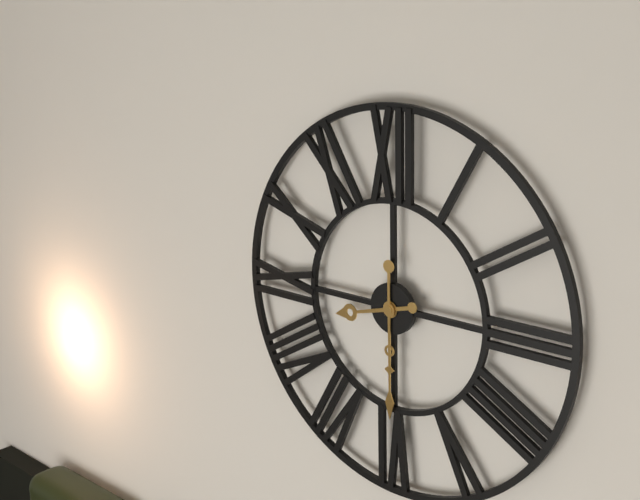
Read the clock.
8:30
